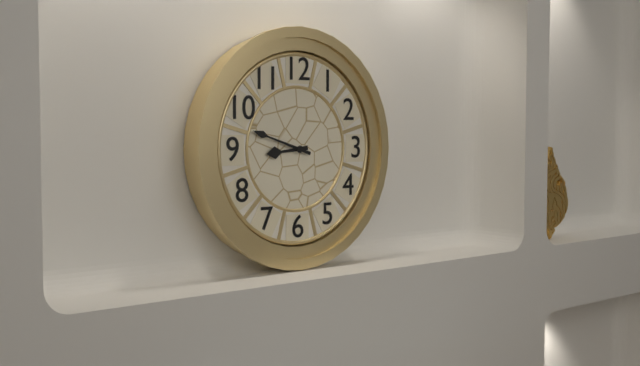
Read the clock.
8:48
